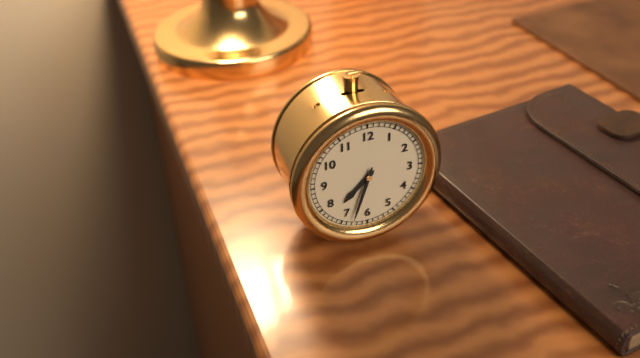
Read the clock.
7:33
